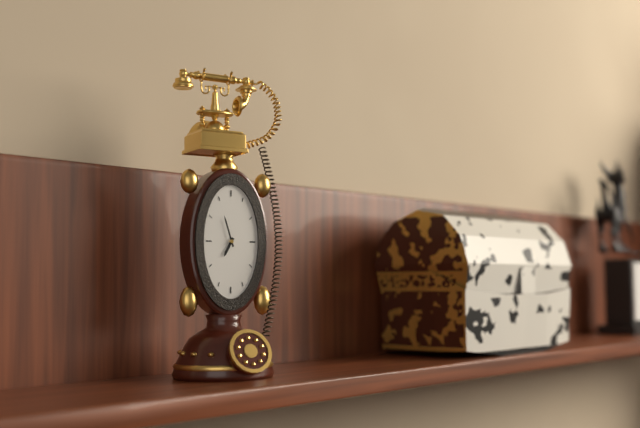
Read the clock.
6:57
